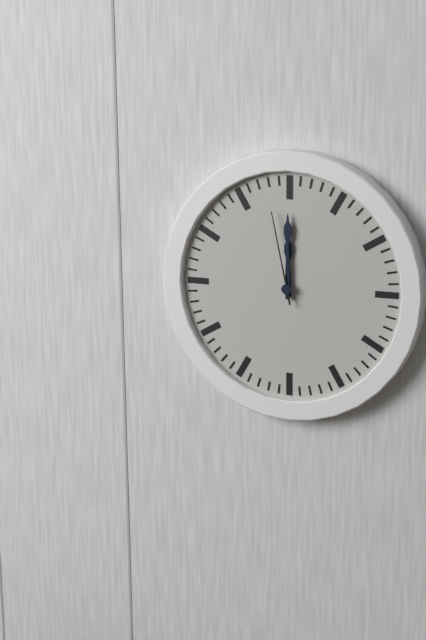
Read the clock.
12:00:58
